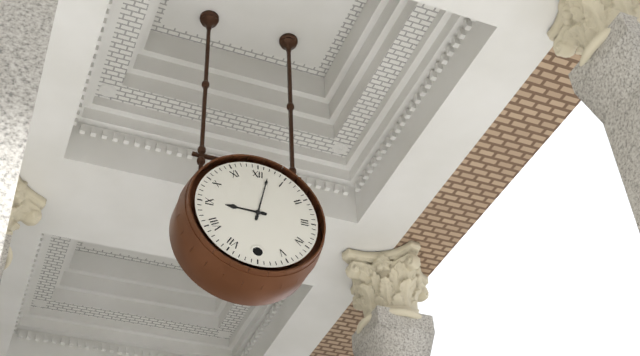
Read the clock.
9:02
